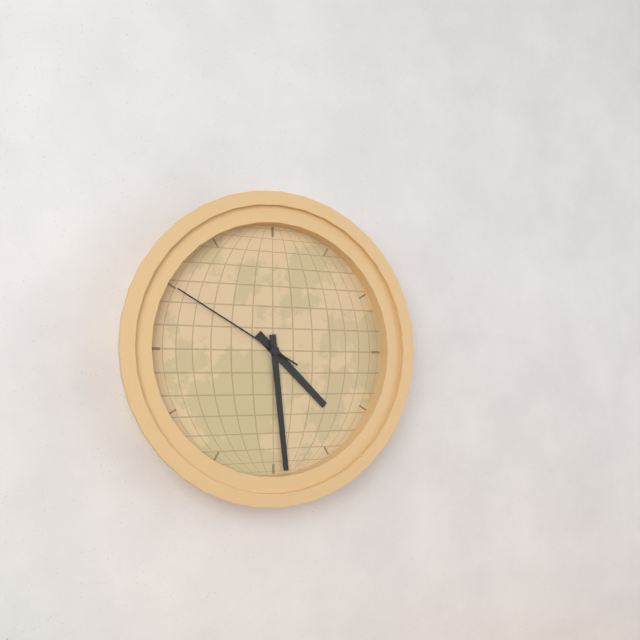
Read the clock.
4:29:50
